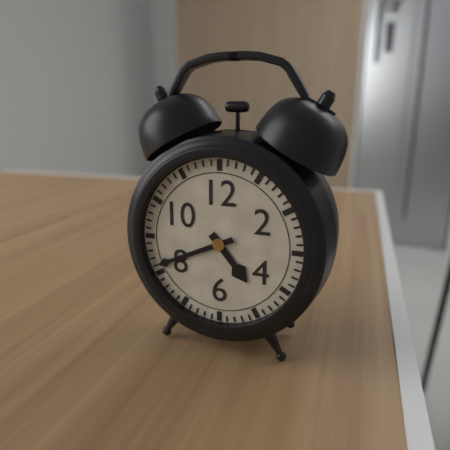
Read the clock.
4:41
